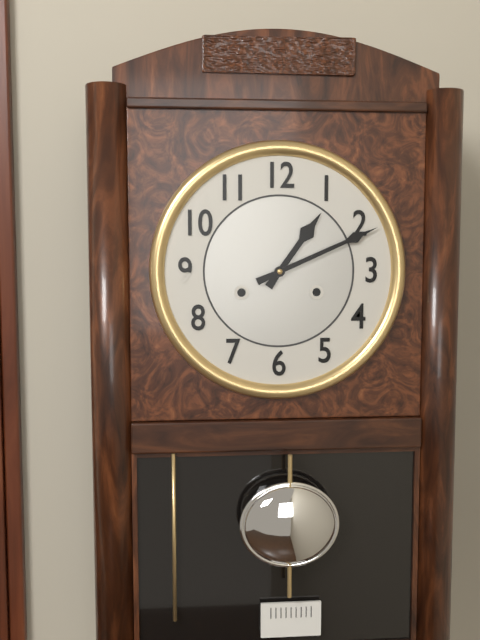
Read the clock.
1:11
